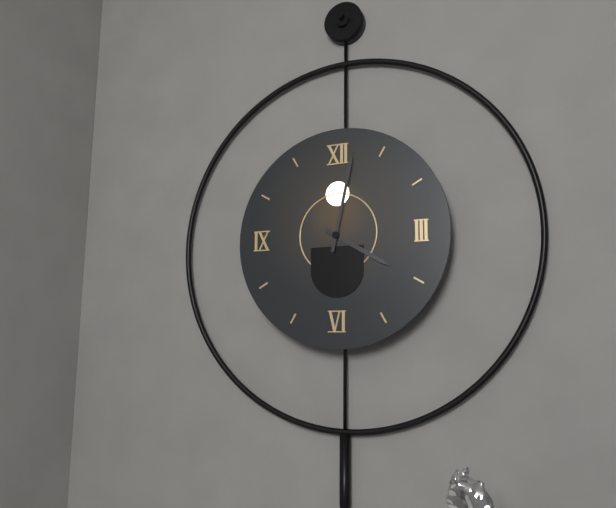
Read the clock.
4:02
